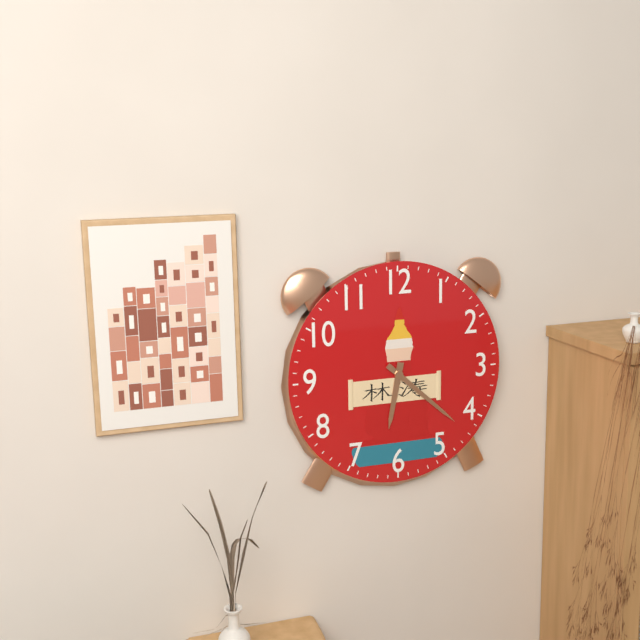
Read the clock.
6:22
